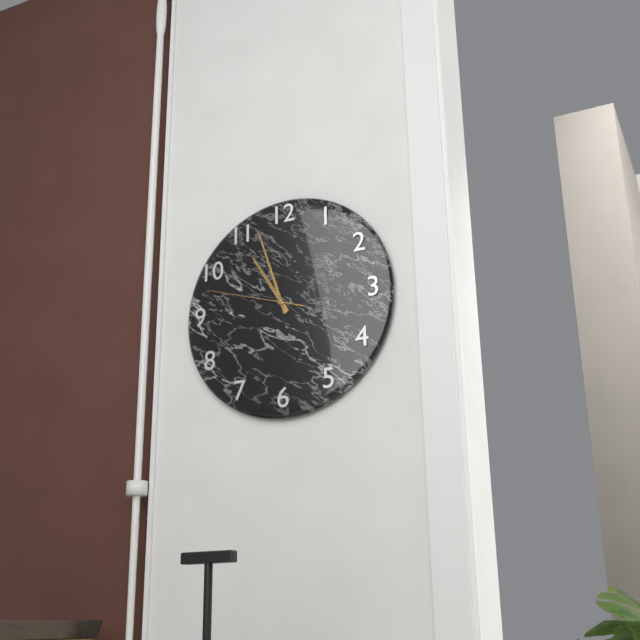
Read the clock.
10:57:48
